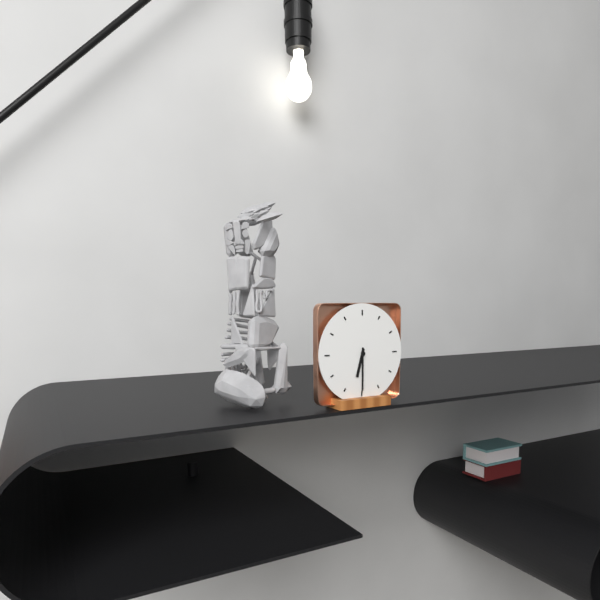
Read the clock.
6:30
